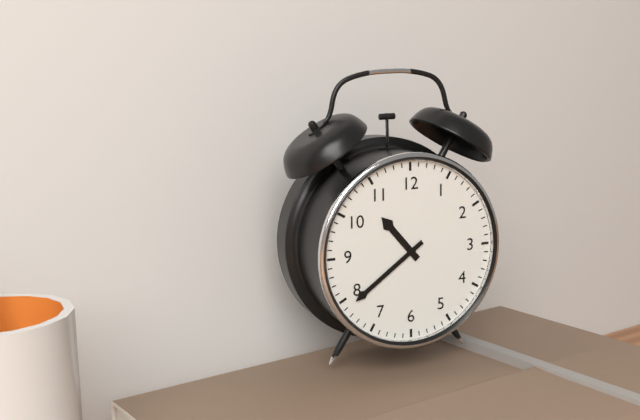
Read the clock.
10:39
